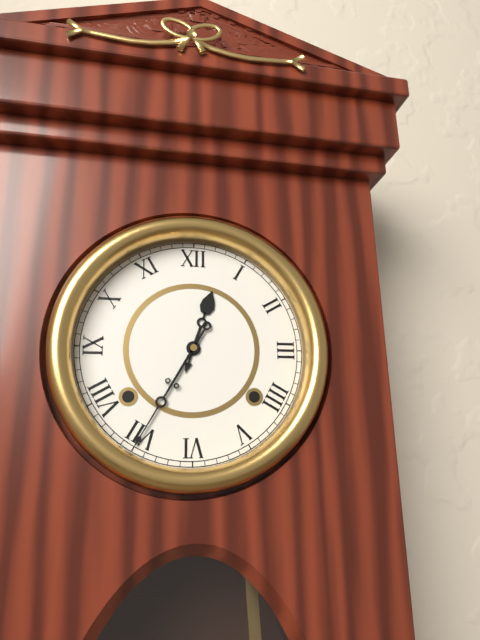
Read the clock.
12:35
